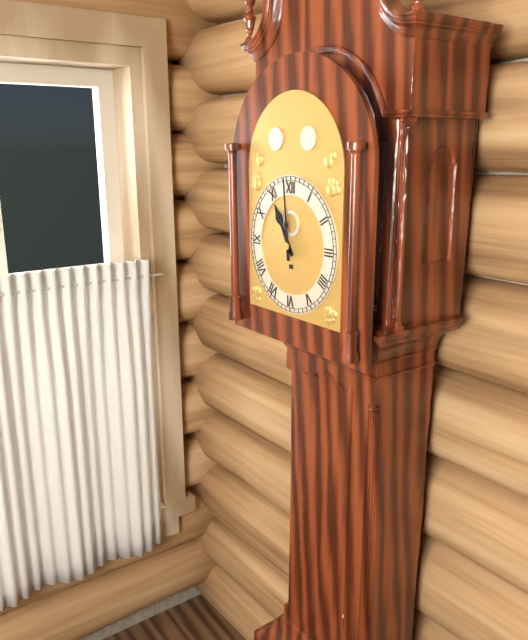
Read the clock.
10:59
